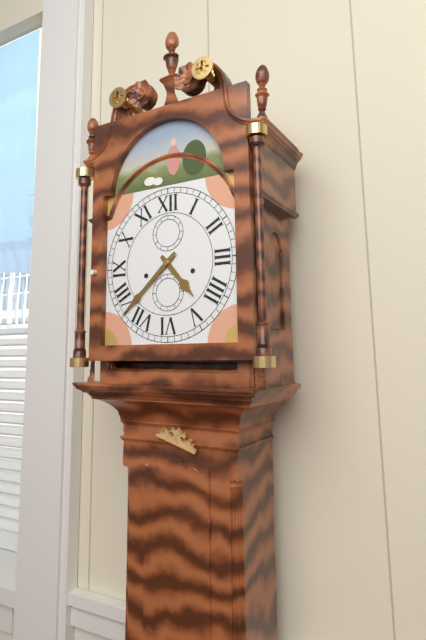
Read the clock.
4:38
